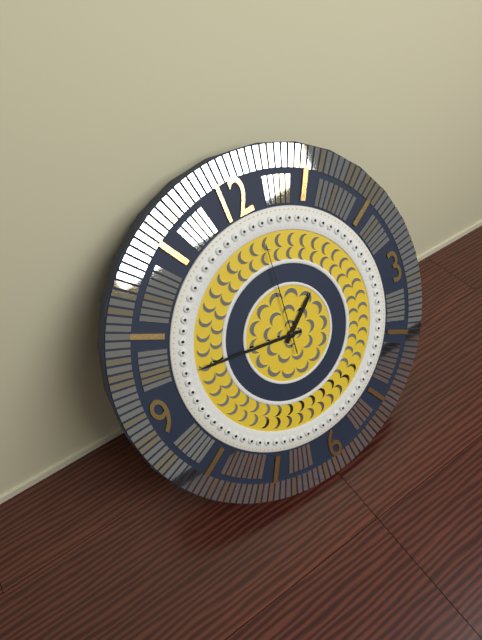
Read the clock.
1:47:01
